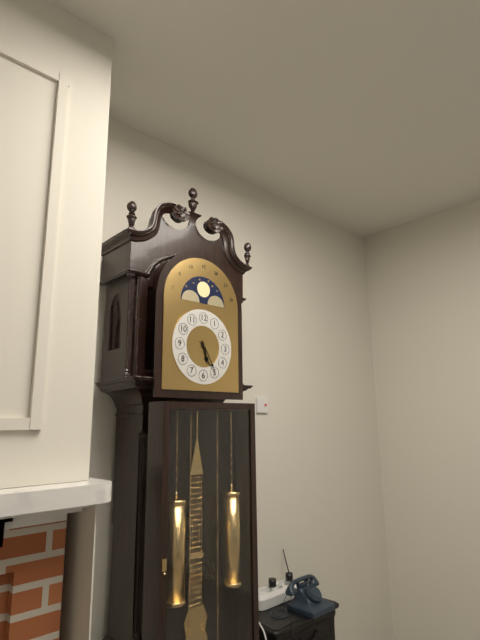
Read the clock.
5:25
